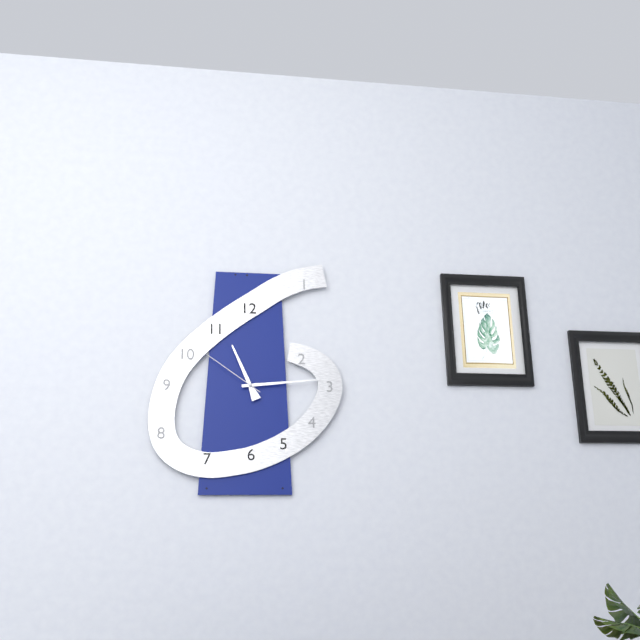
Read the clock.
11:14:51
